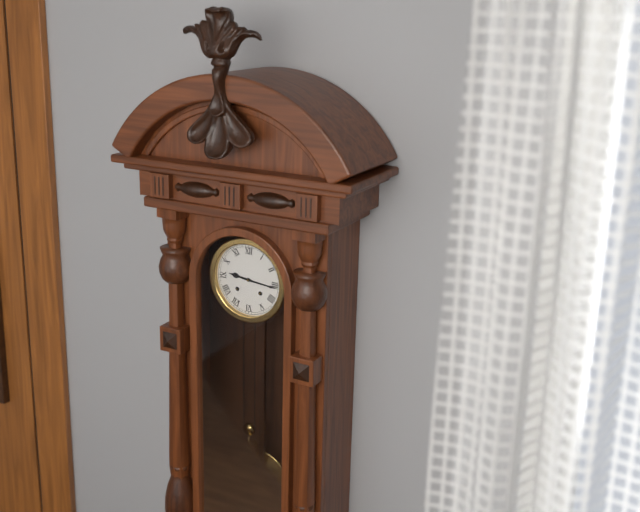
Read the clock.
9:16
